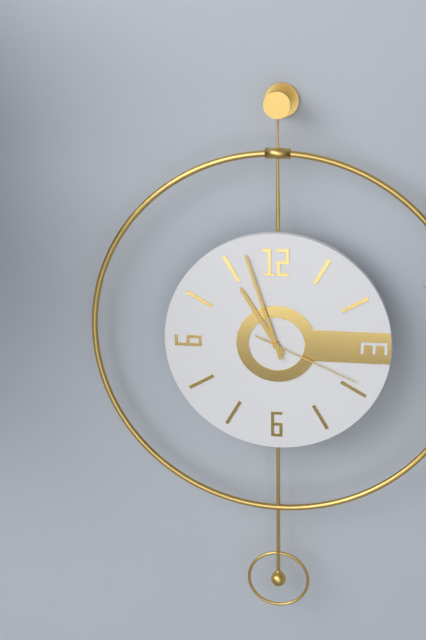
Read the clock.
10:57:19
